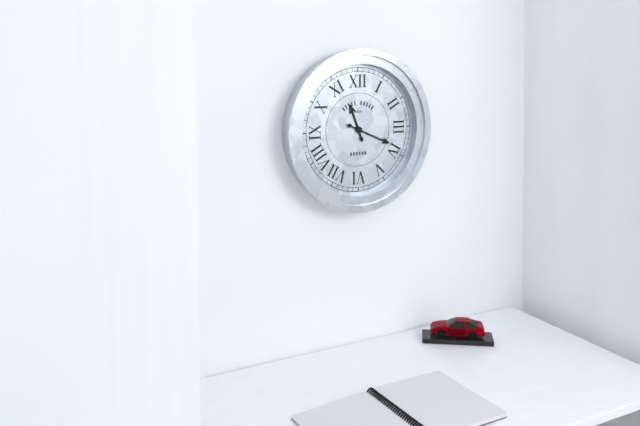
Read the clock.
11:19
